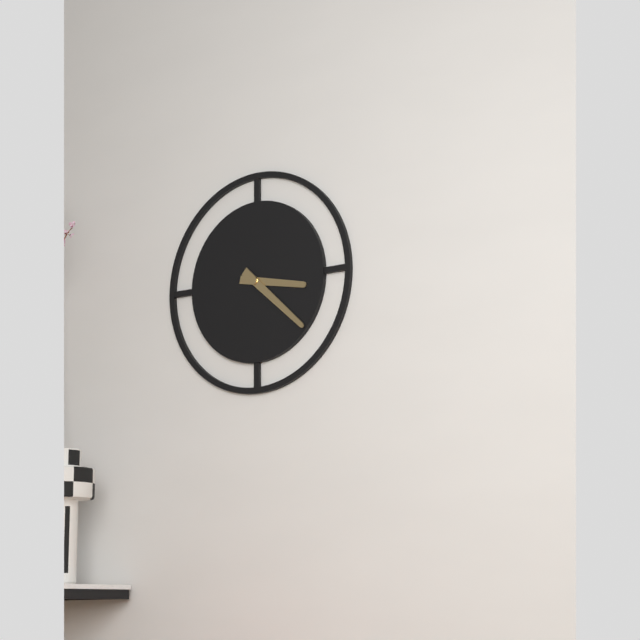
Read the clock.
3:22
